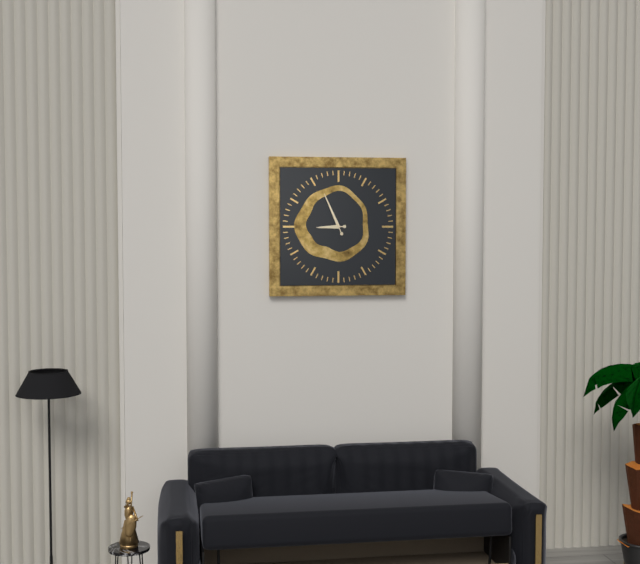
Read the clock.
8:56
